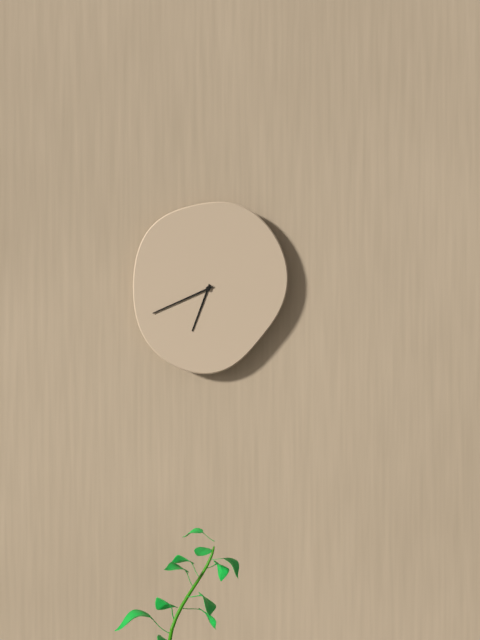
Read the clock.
6:41
